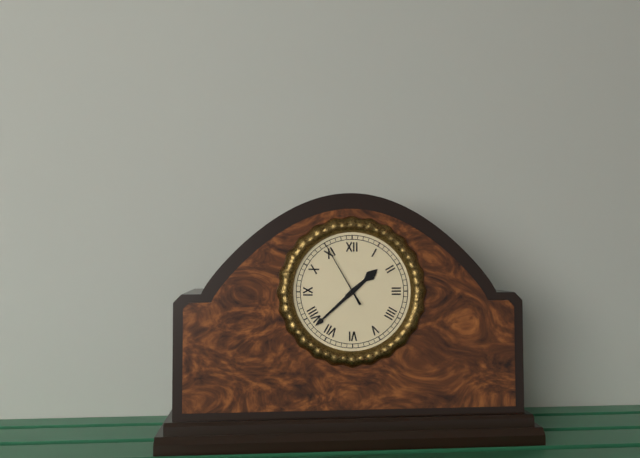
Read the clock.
1:38:55
